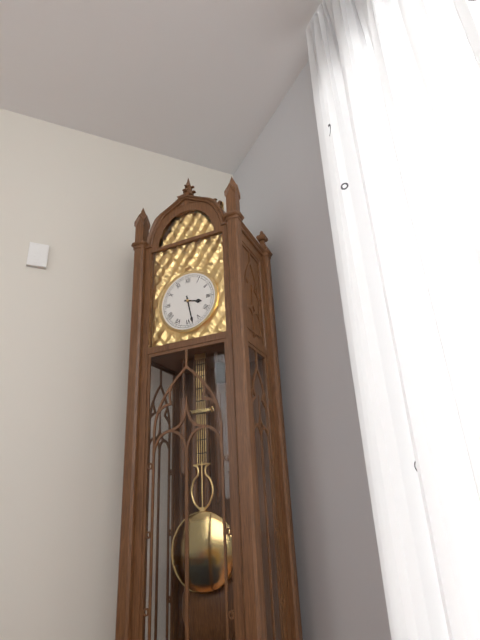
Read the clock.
3:28
